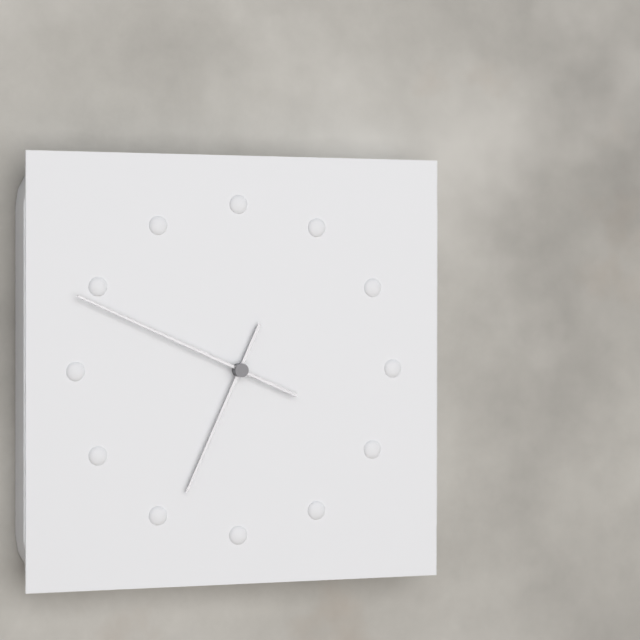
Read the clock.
6:49
